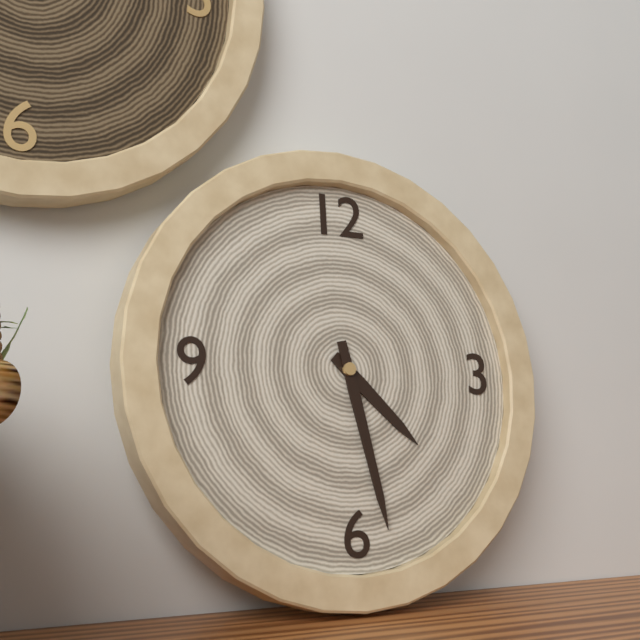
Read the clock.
4:28
